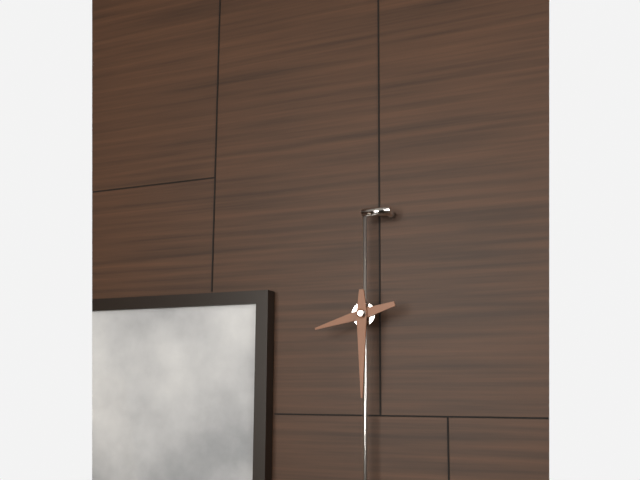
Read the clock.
8:30
